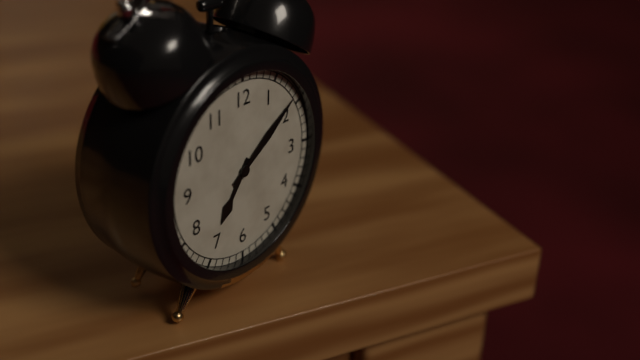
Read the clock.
7:09
